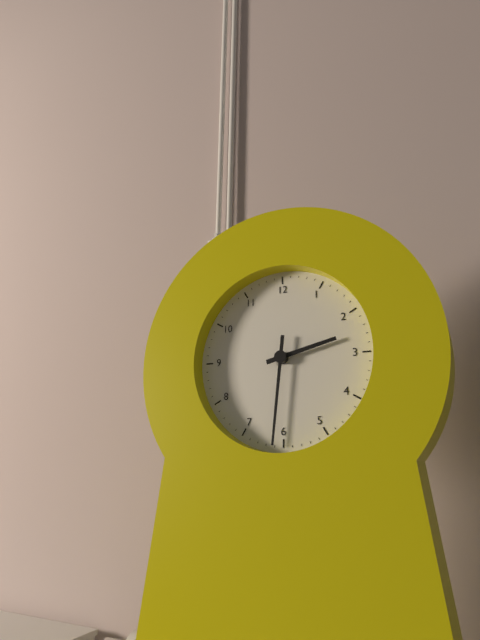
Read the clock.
2:31
